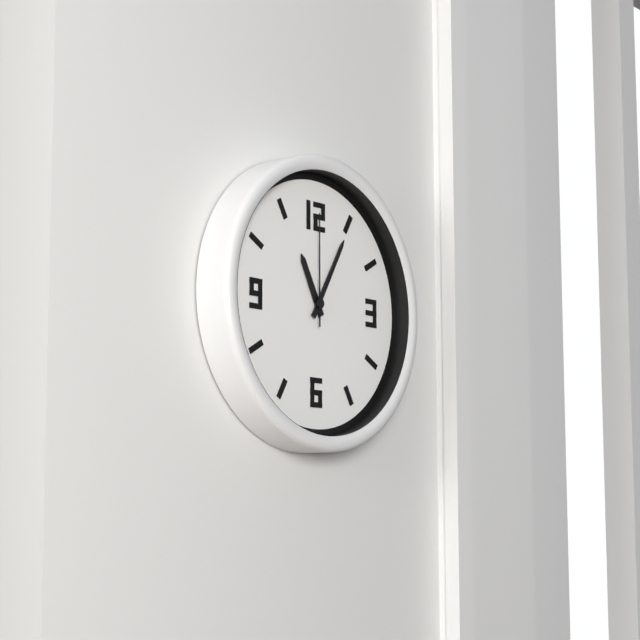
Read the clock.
11:05:00
